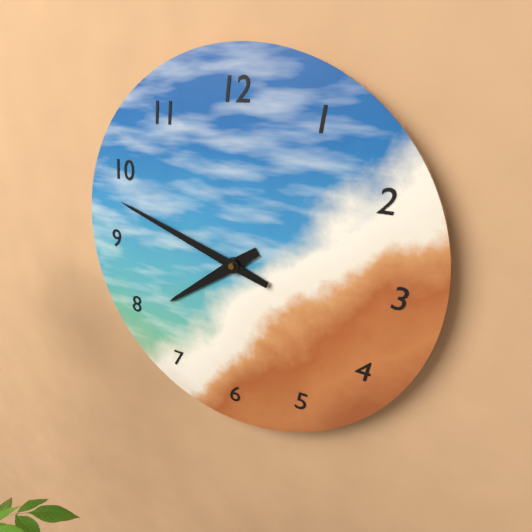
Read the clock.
7:48
